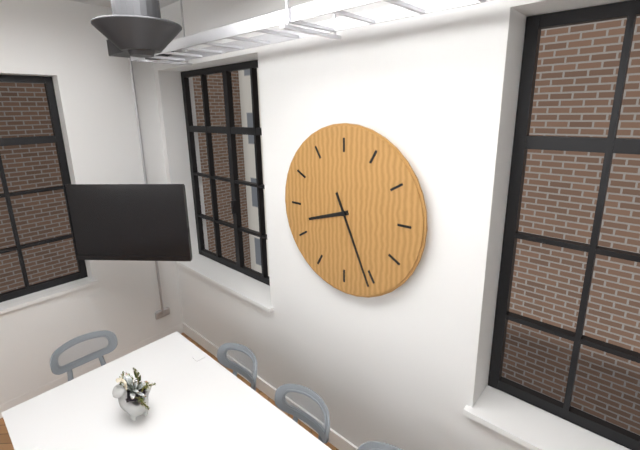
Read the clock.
8:26
